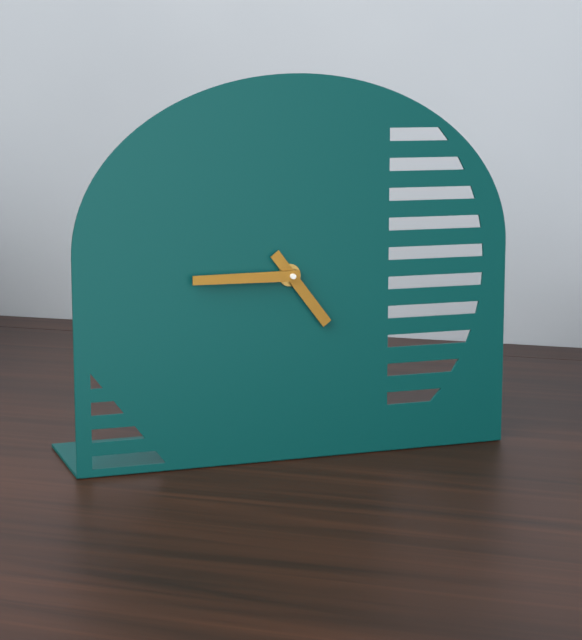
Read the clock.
4:45
